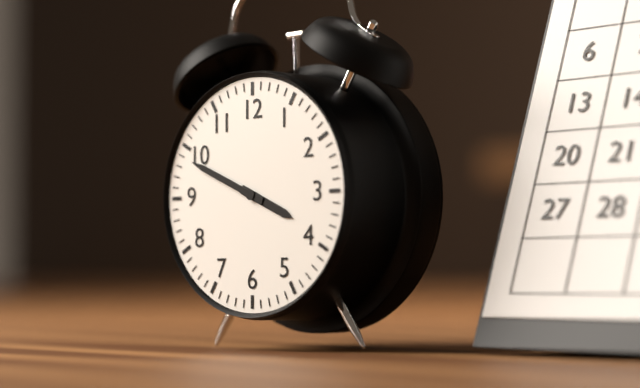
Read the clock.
3:49
